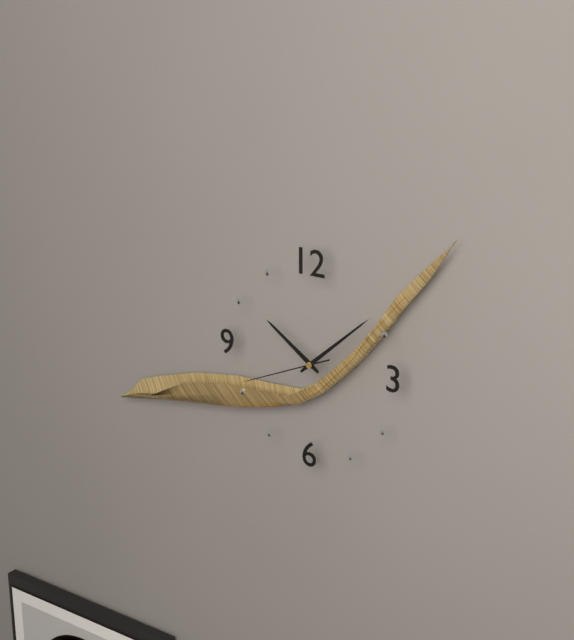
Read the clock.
10:08:41
